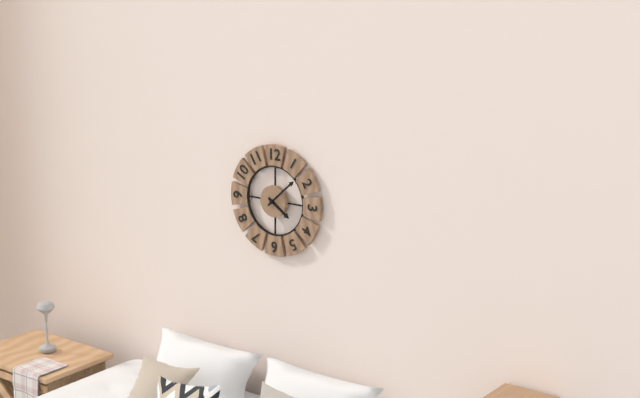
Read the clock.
4:08
